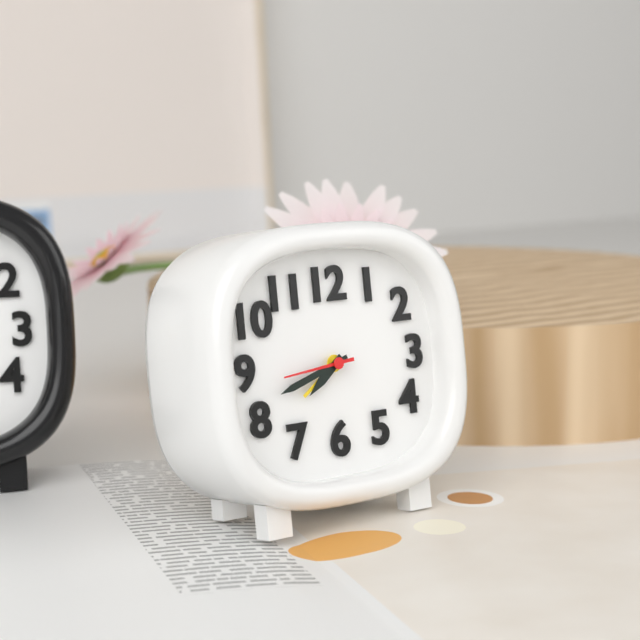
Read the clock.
7:42:44
